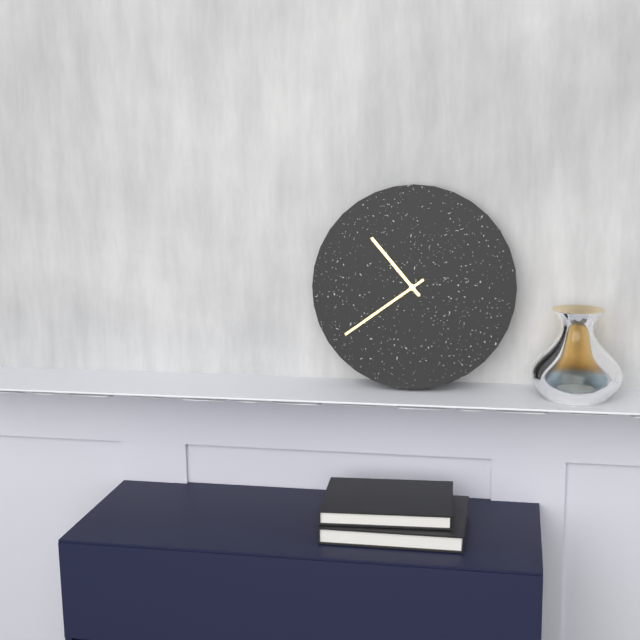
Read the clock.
10:39
